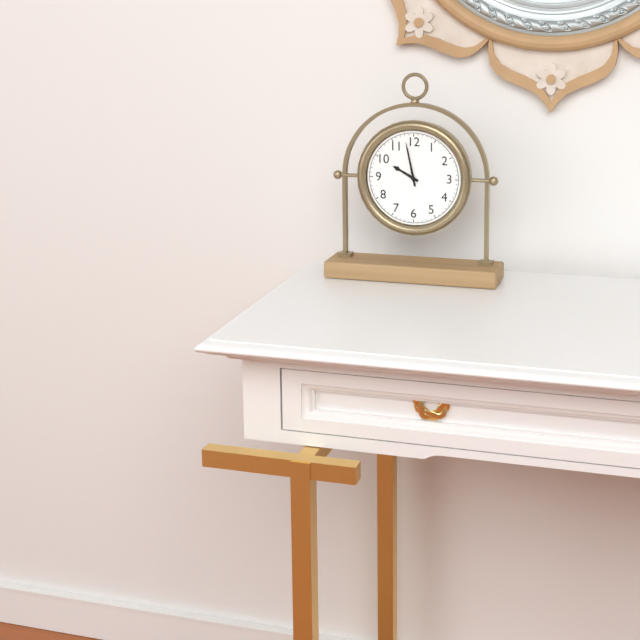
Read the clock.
9:58
